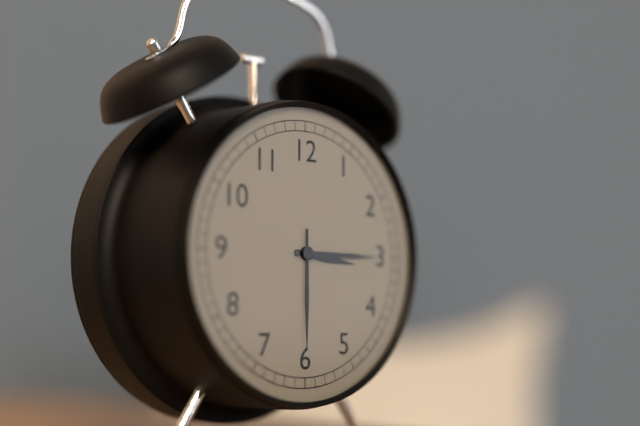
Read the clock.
3:15:30
